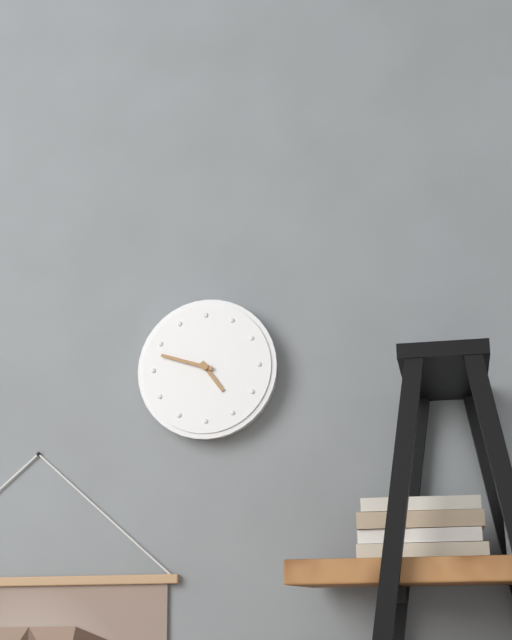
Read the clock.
4:48
